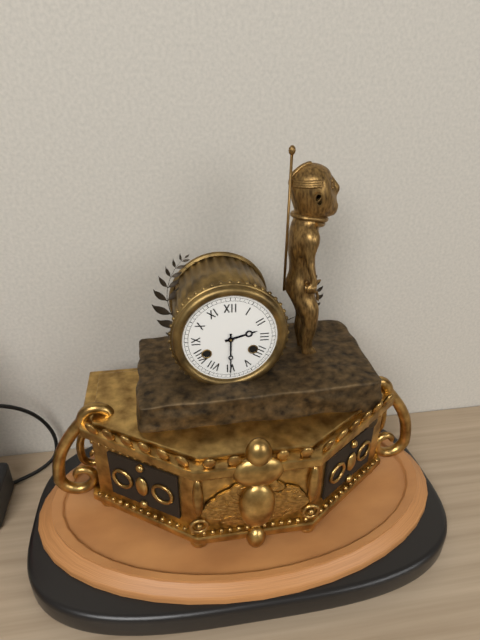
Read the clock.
2:30
